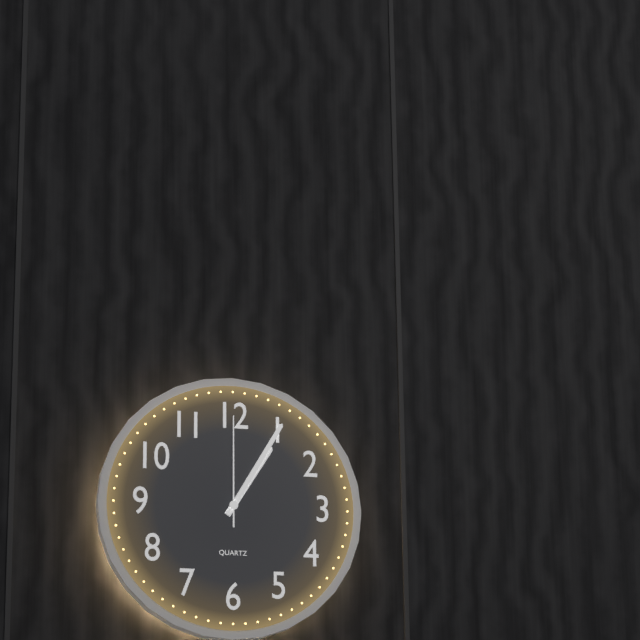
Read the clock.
1:05:00
